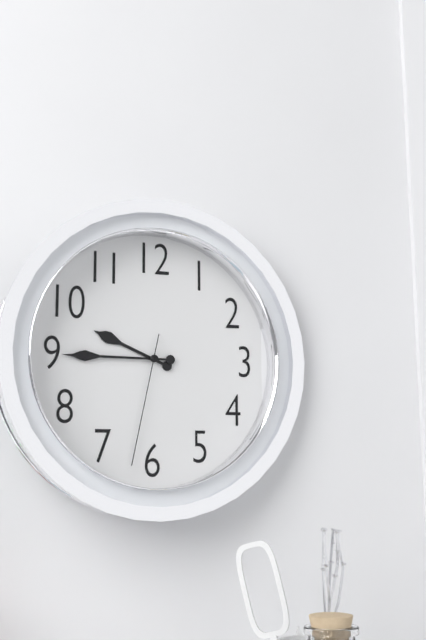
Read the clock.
9:45:32
